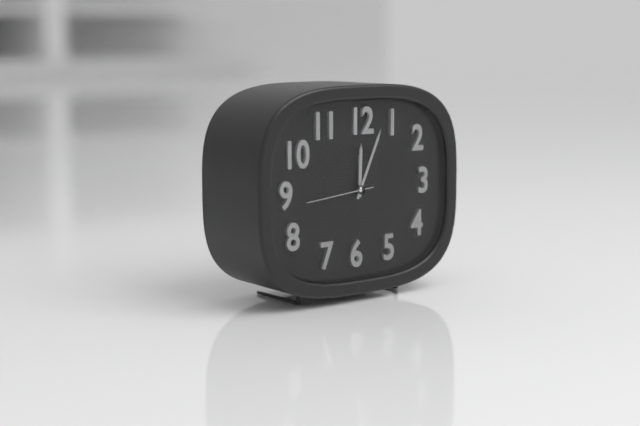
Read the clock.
12:04:44
